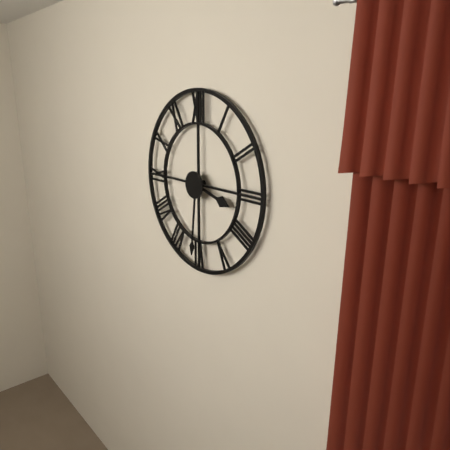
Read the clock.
3:31
